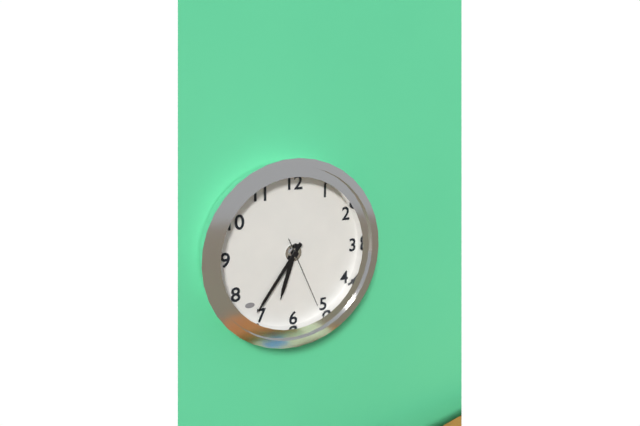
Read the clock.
6:36:26
